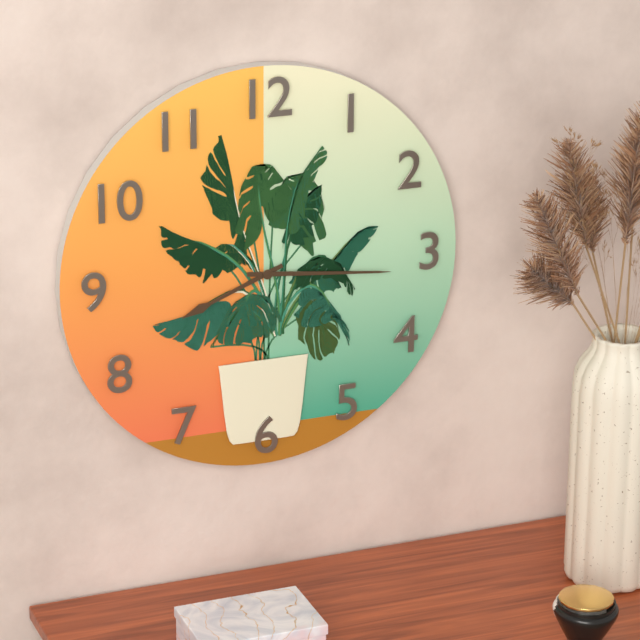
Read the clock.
8:16
